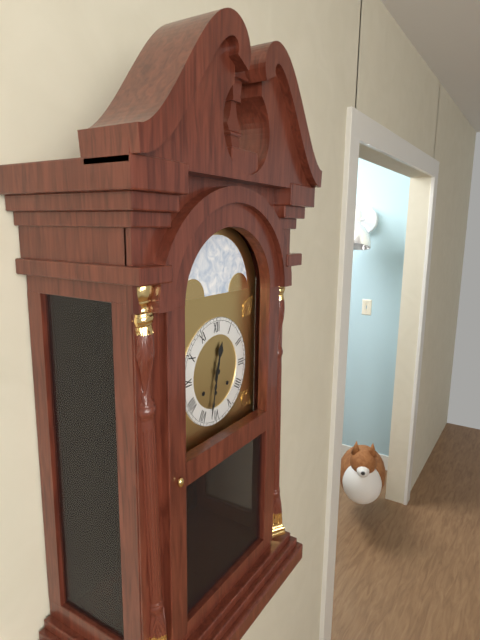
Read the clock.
12:32
